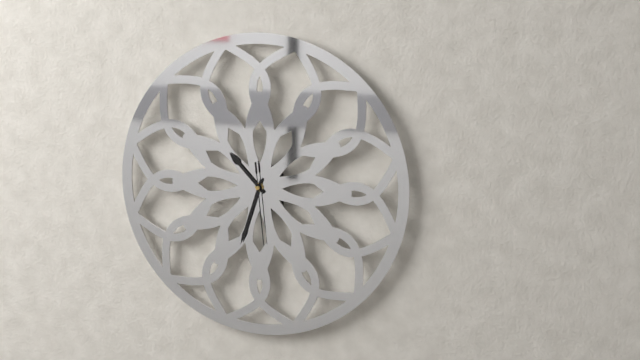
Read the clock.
10:33:29
